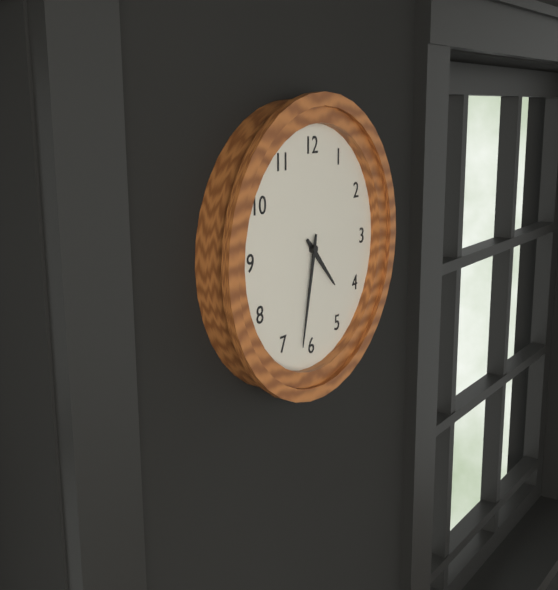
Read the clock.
4:32
